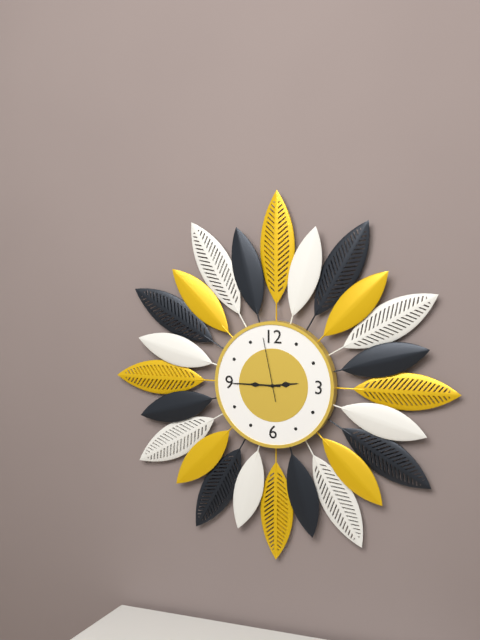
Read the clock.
2:45:58
